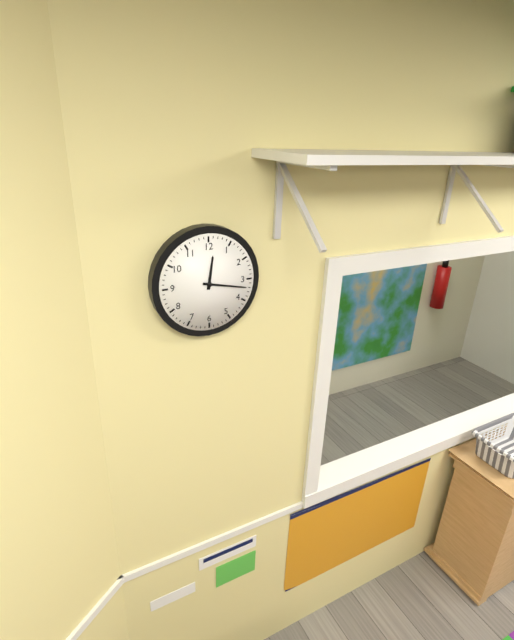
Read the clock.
12:17
